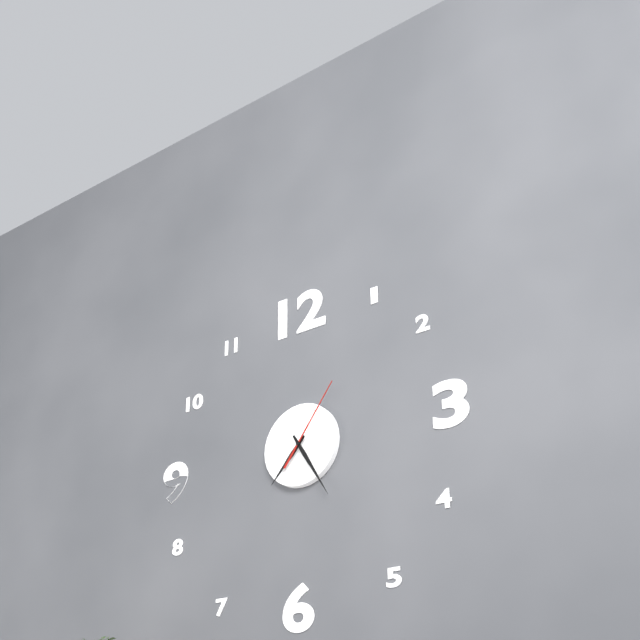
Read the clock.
7:25:06
